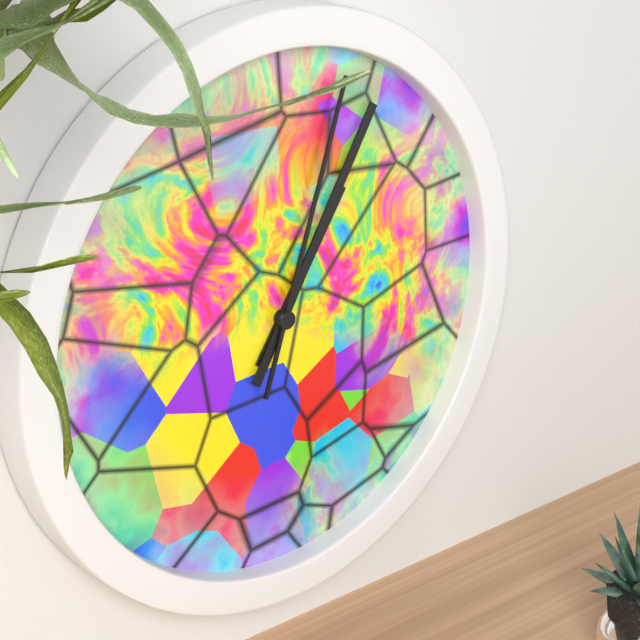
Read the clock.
1:05:03
